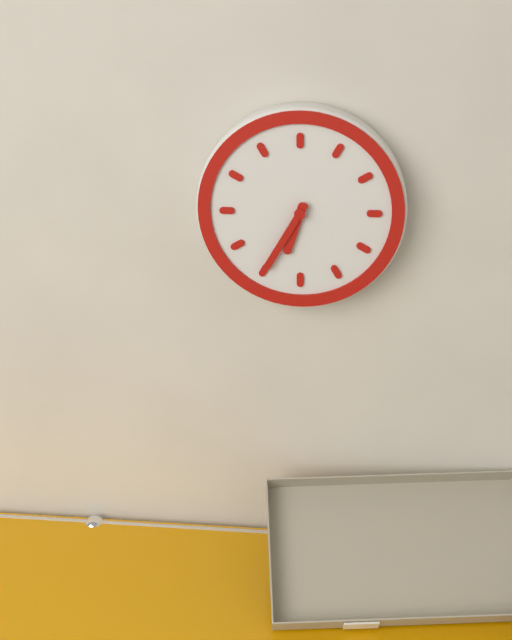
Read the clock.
6:35
